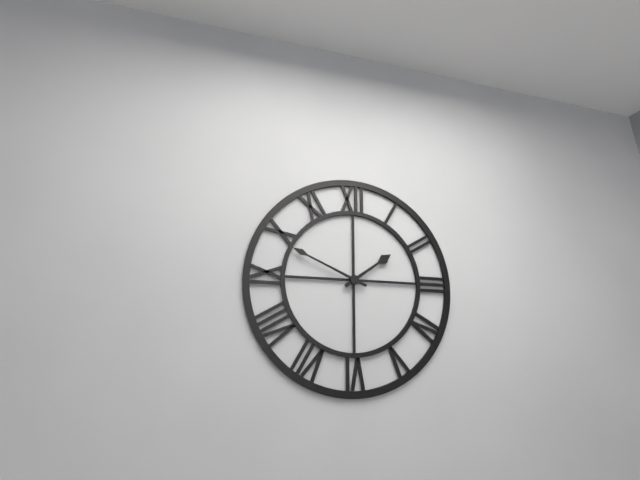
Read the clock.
1:49
